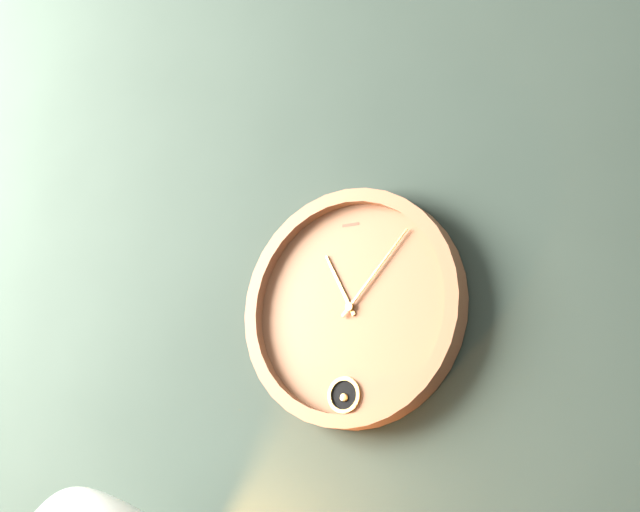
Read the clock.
11:07
